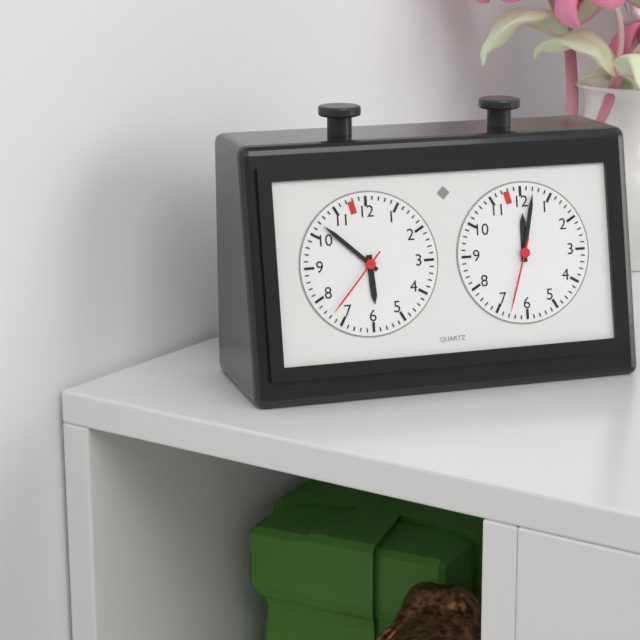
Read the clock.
5:52:37
